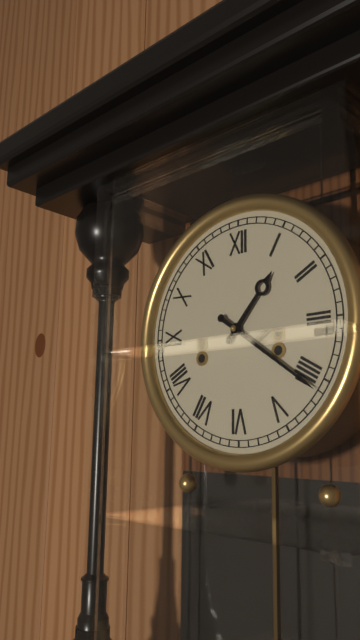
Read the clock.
1:21
